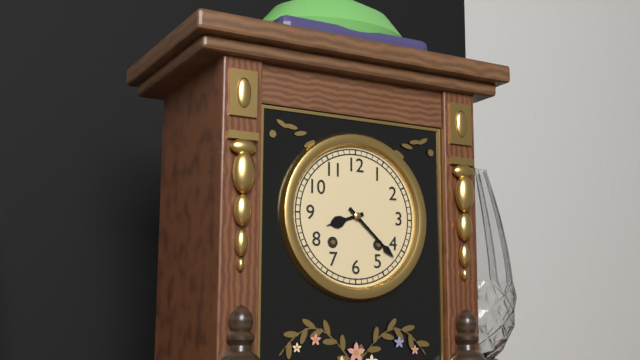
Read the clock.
8:22
